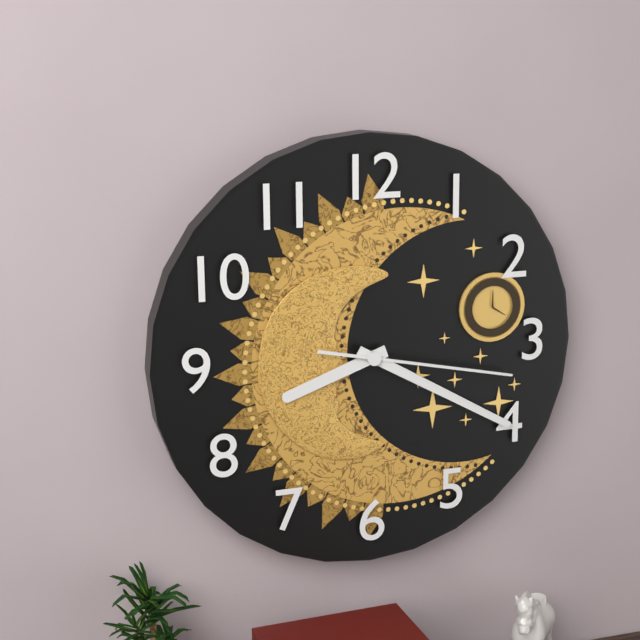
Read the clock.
8:20:17
